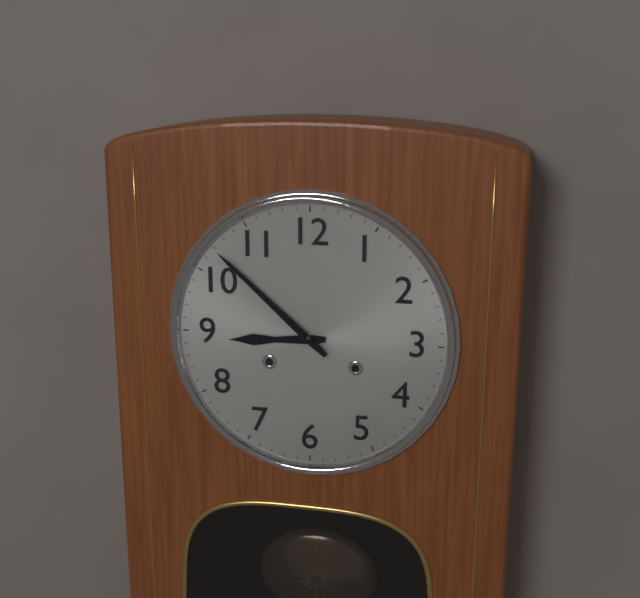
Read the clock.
8:52
